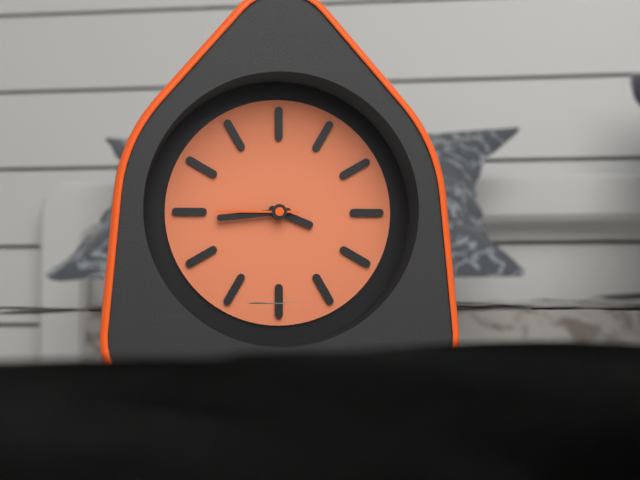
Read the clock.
3:44:45
